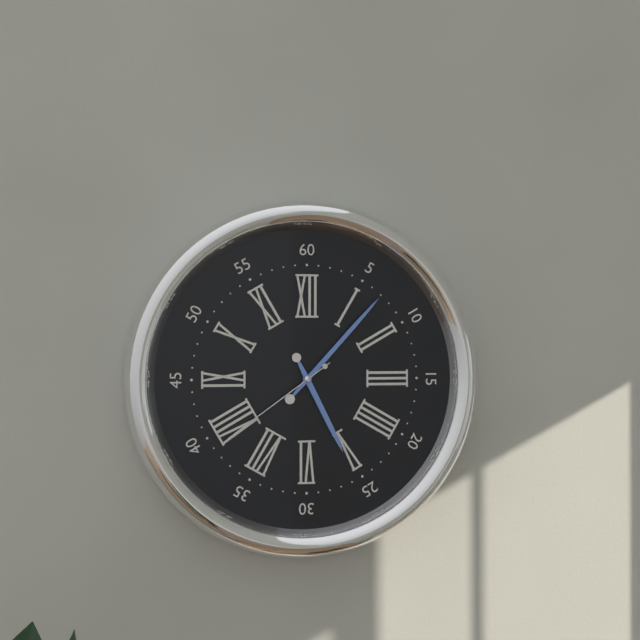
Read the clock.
5:07:39
